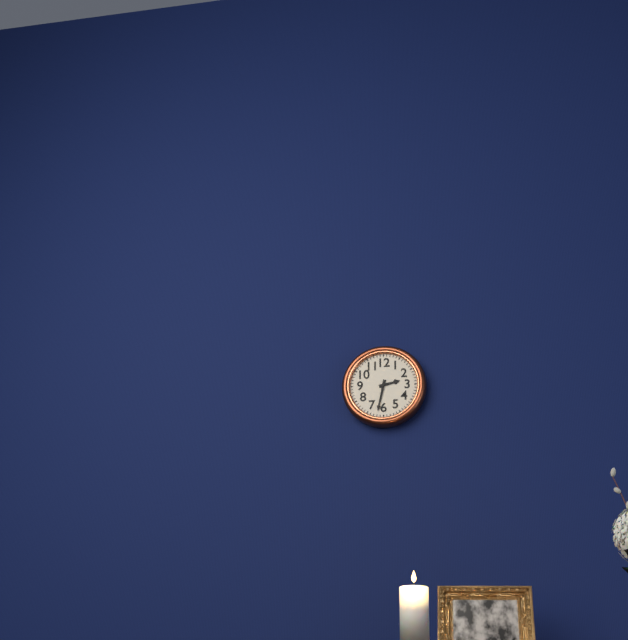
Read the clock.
2:32
